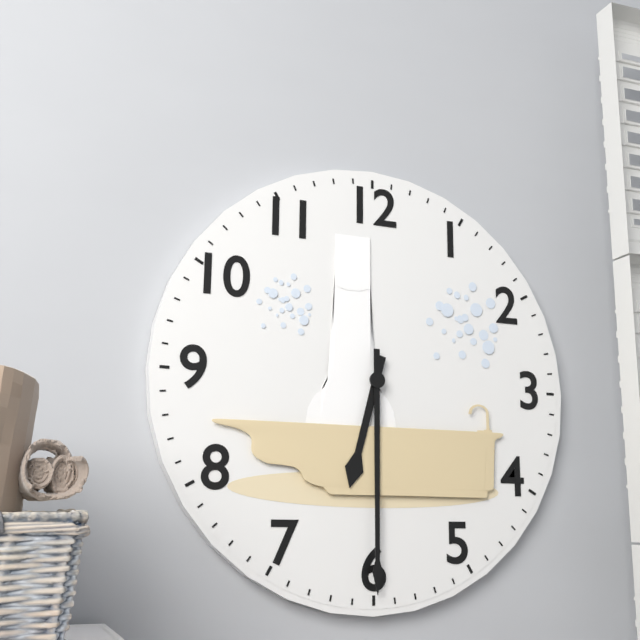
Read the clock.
6:30
